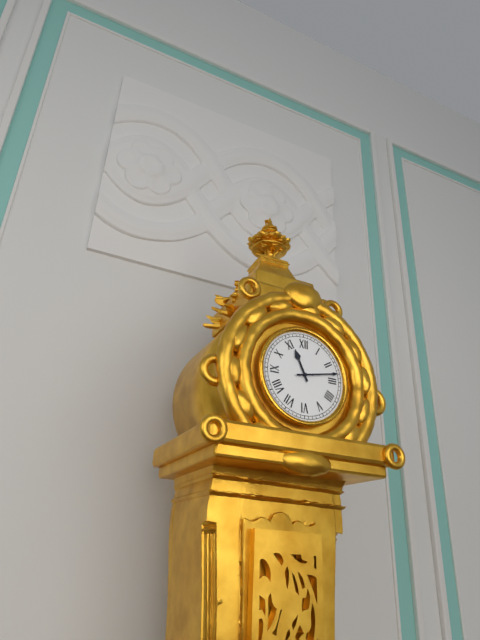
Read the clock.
11:13
